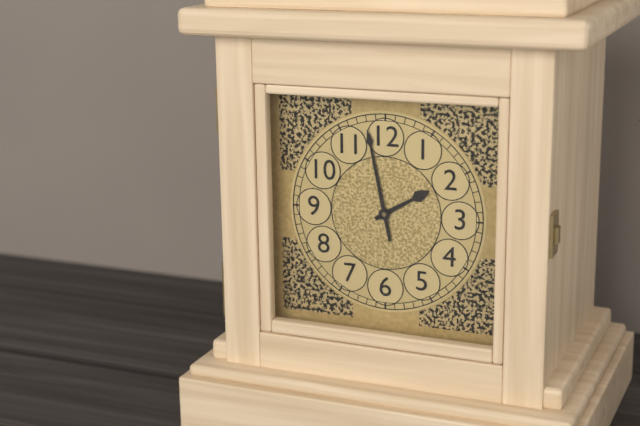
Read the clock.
1:58
